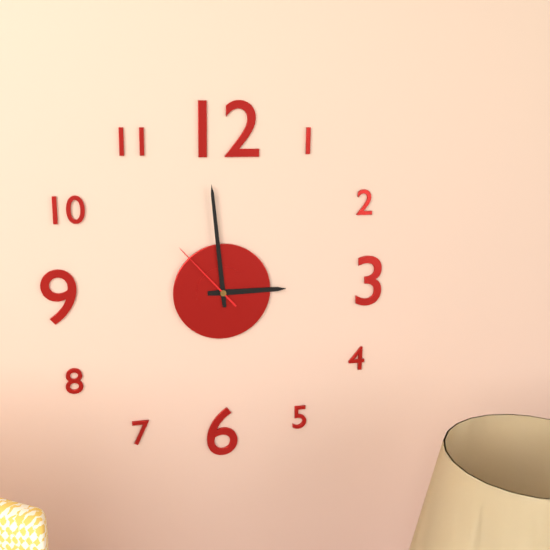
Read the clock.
2:59:53
